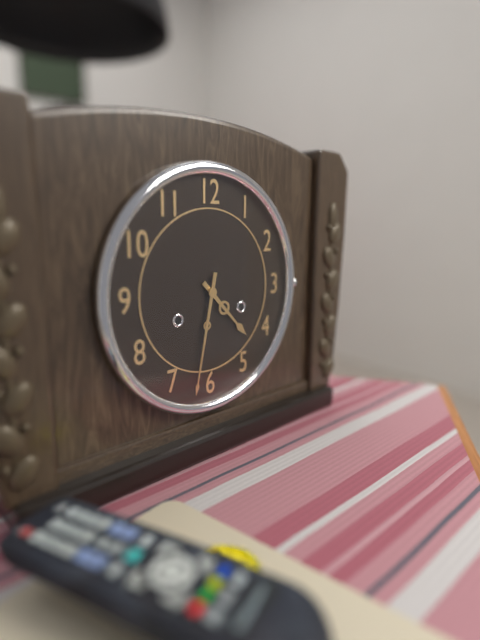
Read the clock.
4:32
